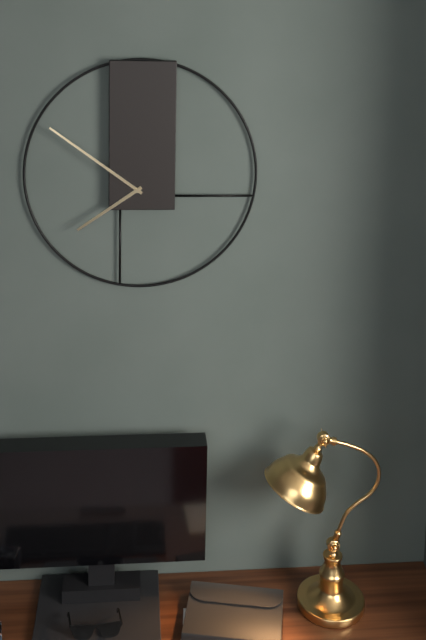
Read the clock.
7:51
